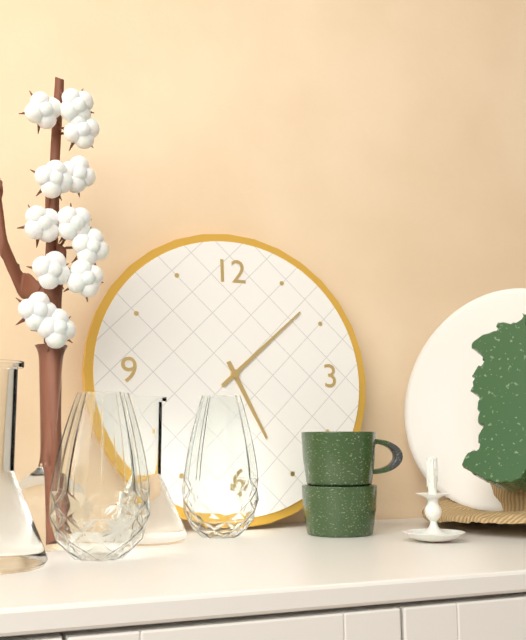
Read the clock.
5:08
